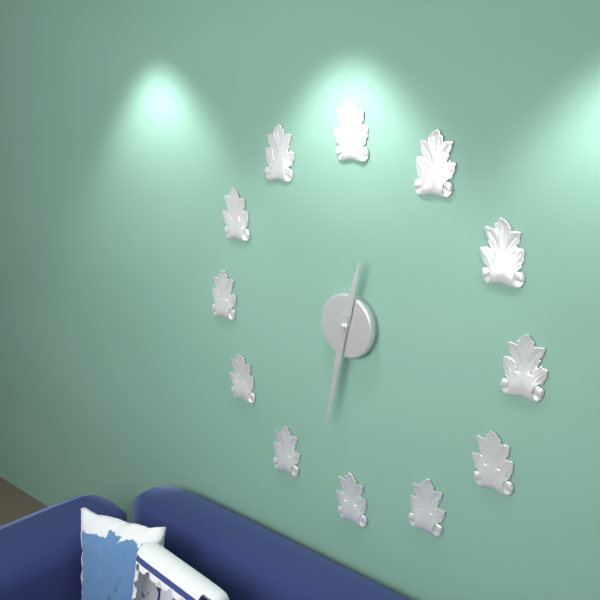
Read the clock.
12:32
